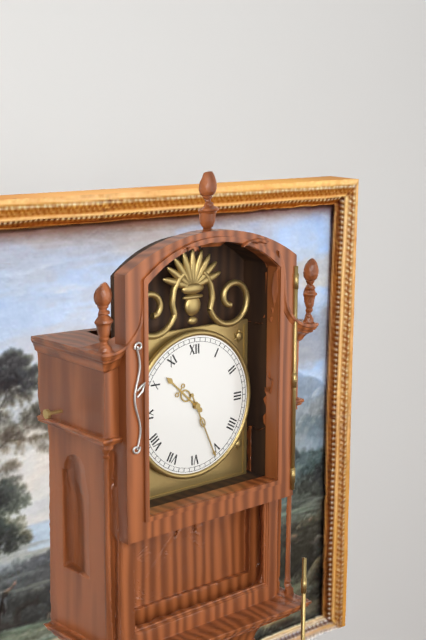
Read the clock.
10:26
